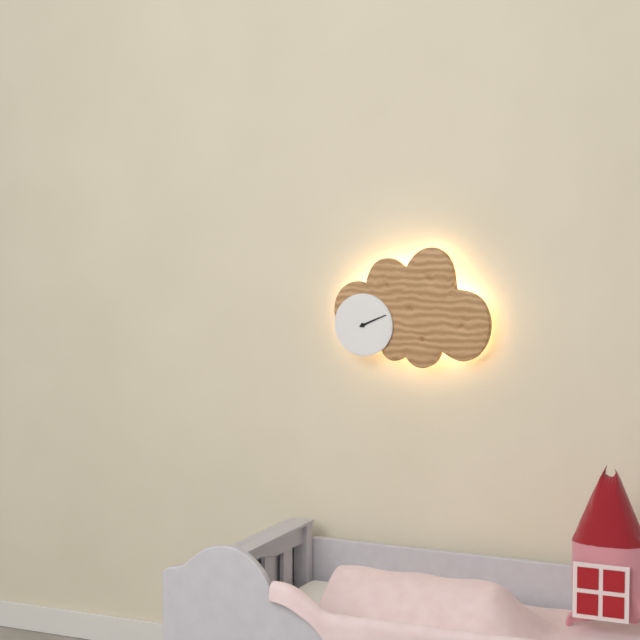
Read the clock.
2:11
